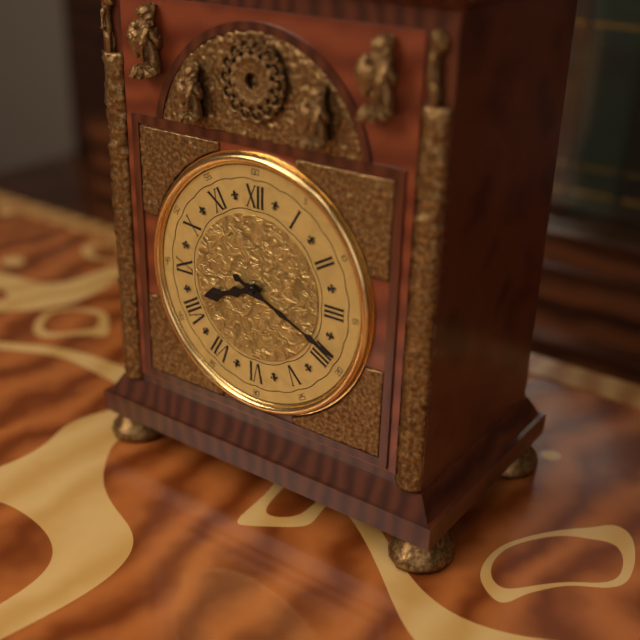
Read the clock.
8:19
